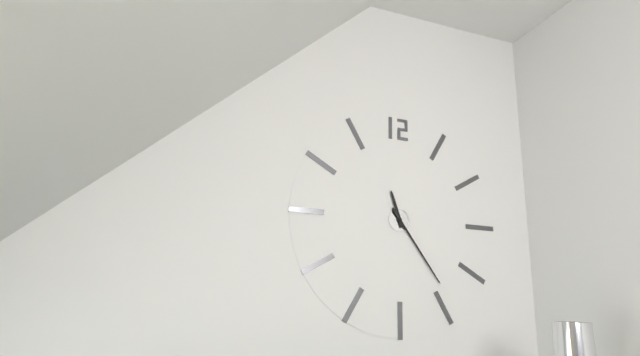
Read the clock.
11:24
